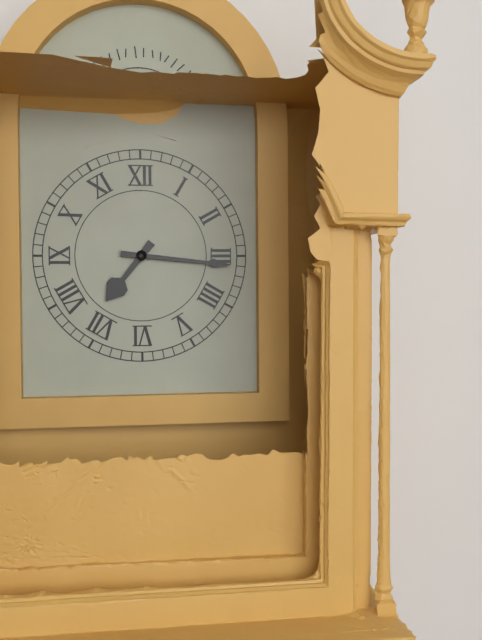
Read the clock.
7:16
